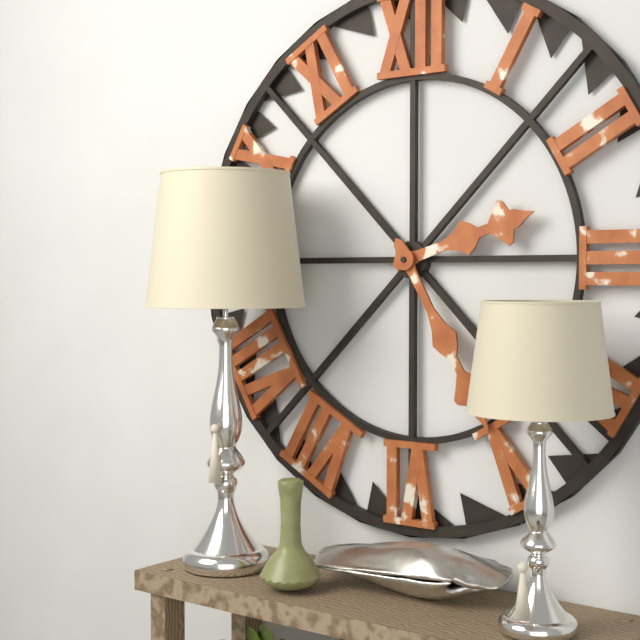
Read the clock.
2:25
